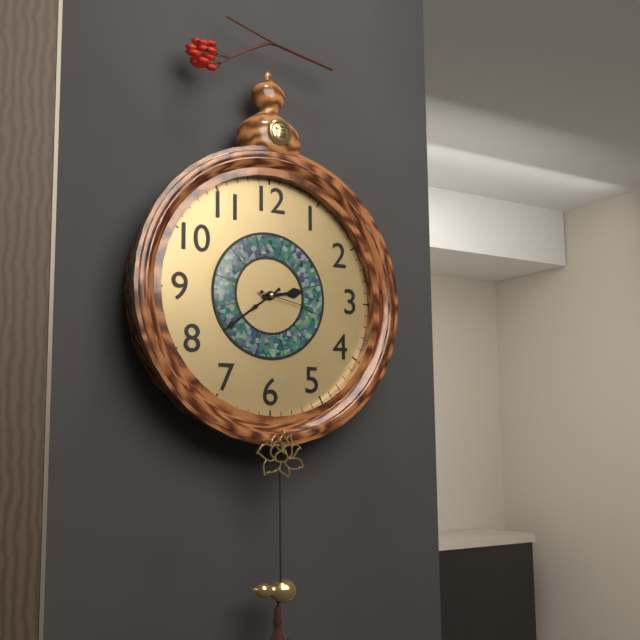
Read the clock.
2:39:17
